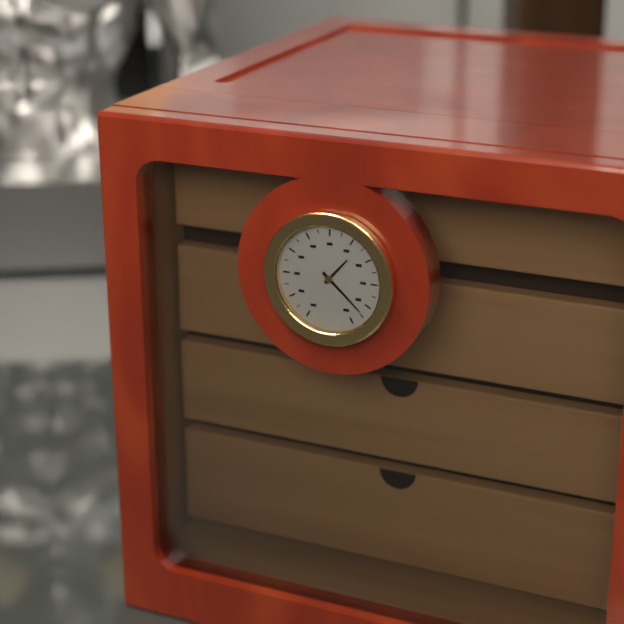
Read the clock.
1:22
